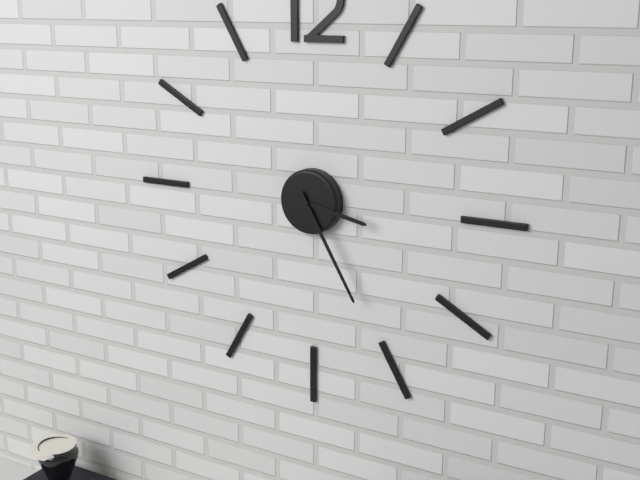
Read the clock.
3:25
